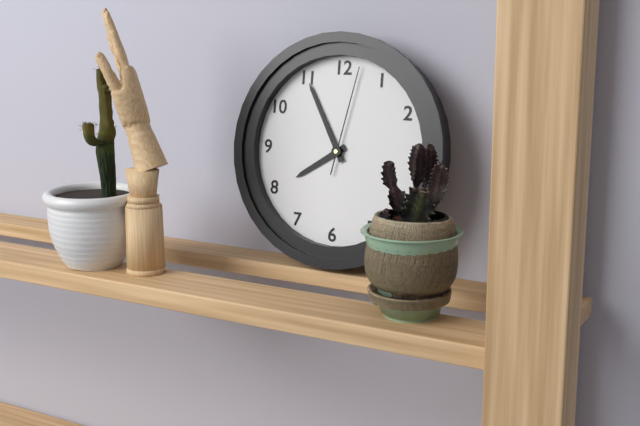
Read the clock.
7:55:02
